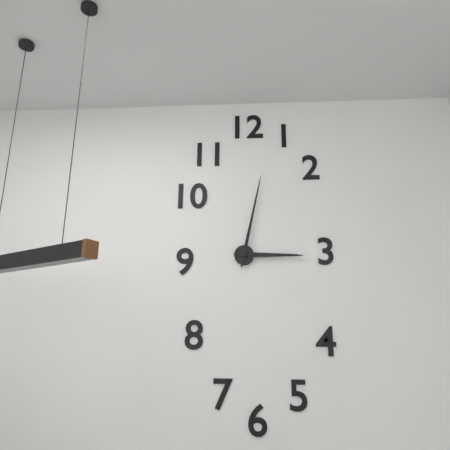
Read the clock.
3:02
